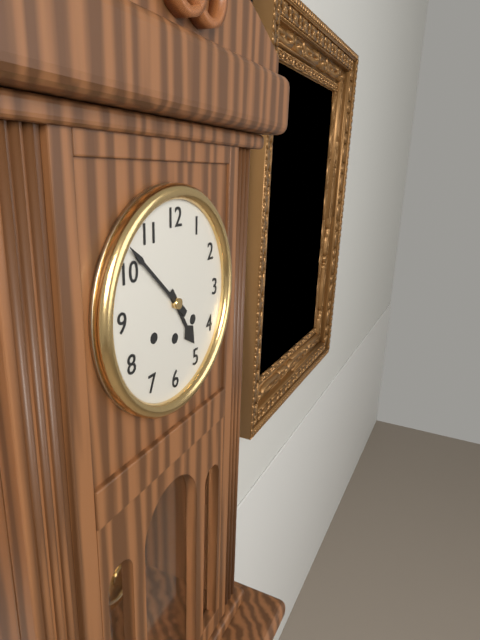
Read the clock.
4:52
